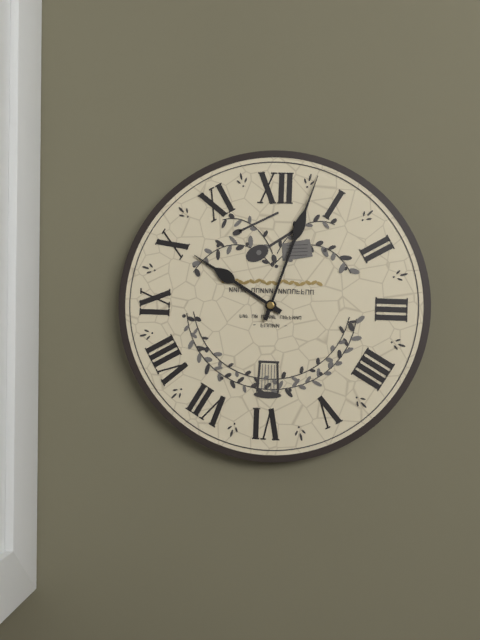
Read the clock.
10:03
